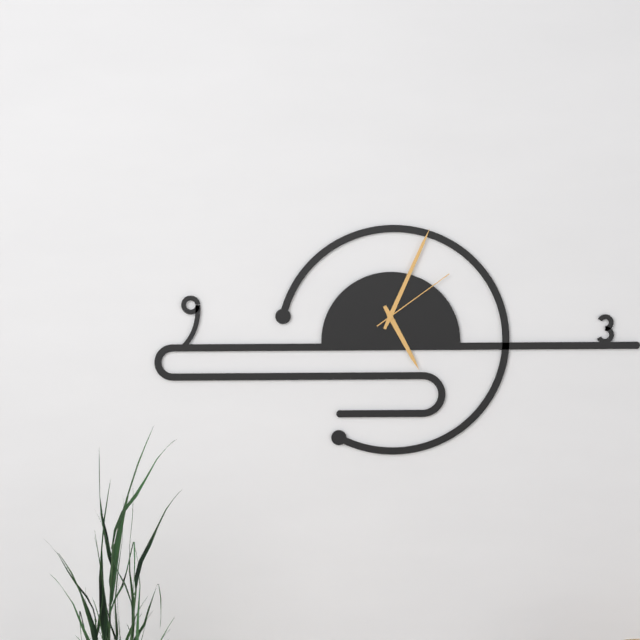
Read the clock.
5:04:09
